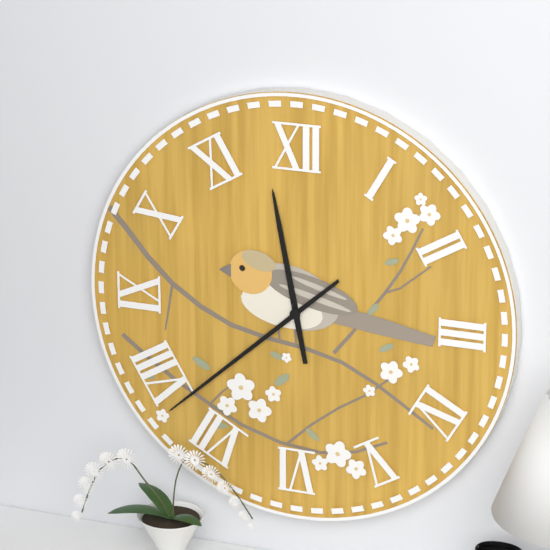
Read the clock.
11:38
